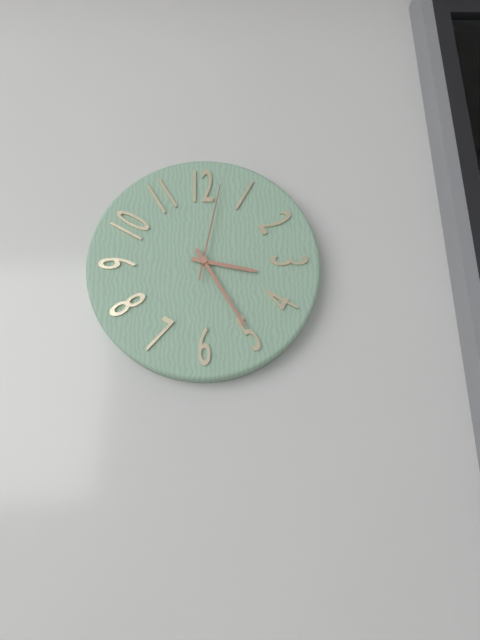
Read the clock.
3:25:02
